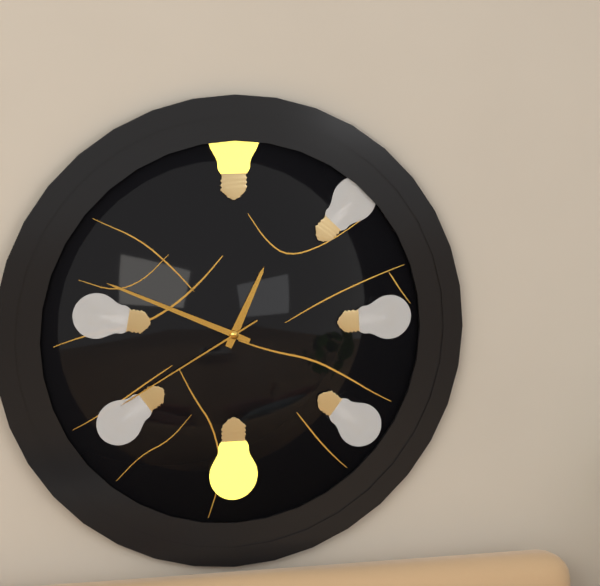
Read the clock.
12:49:40
